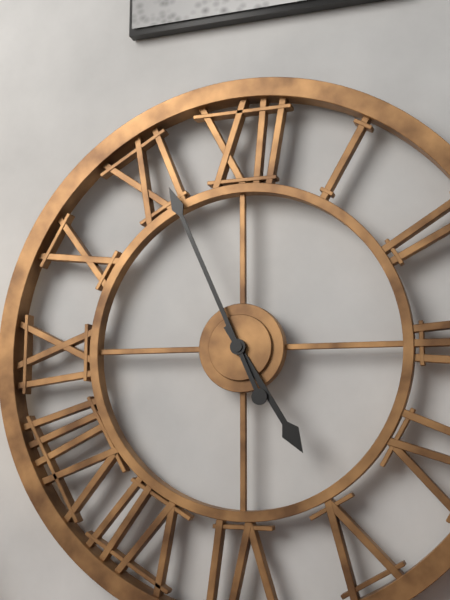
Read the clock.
4:56
